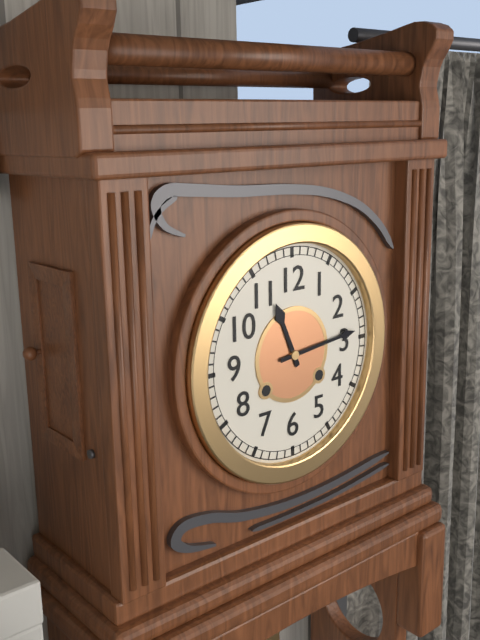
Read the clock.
11:14
